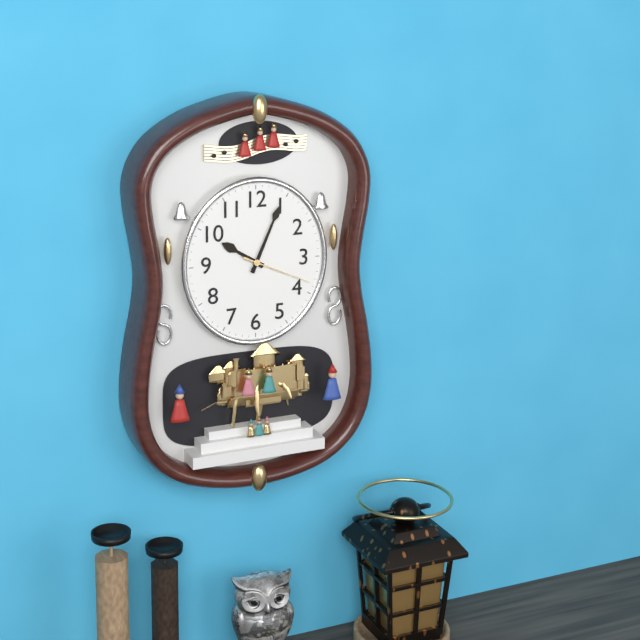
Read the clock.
10:04:19
